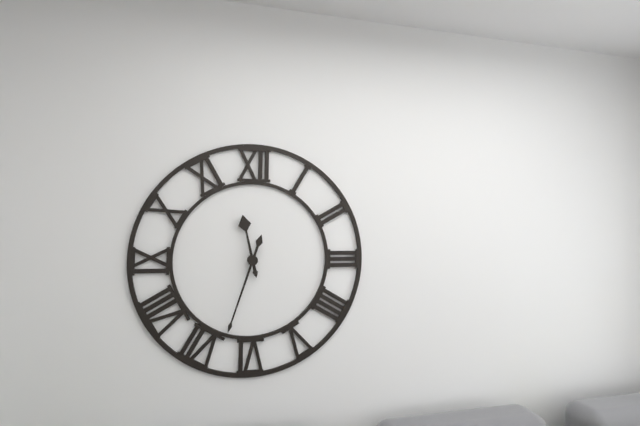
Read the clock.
11:33
